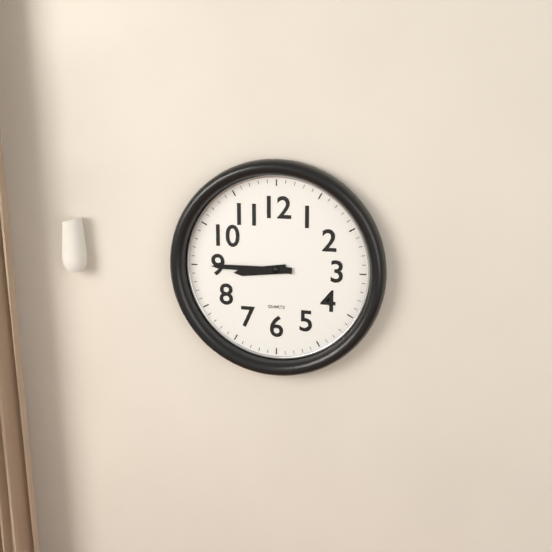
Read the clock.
8:45
